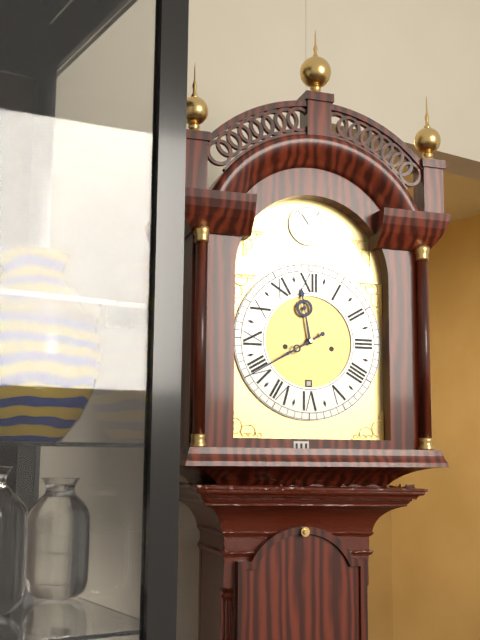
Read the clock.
11:40
